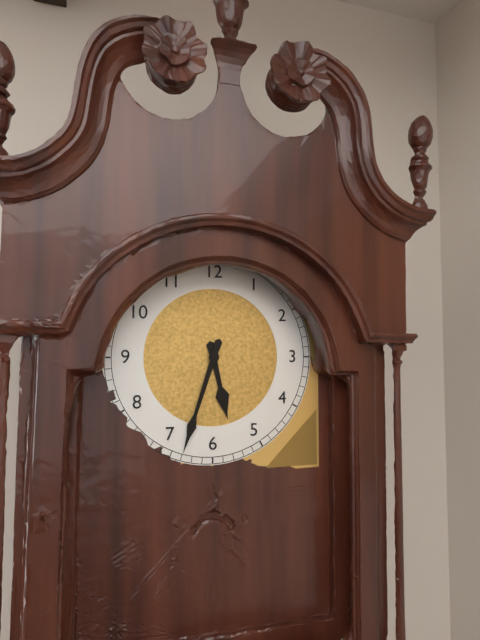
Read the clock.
5:33
